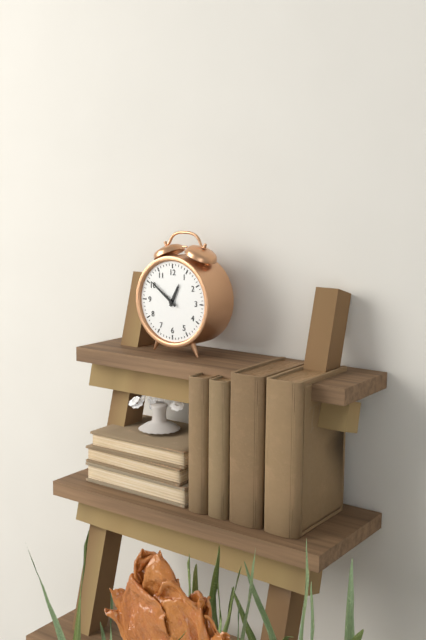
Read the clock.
12:51
